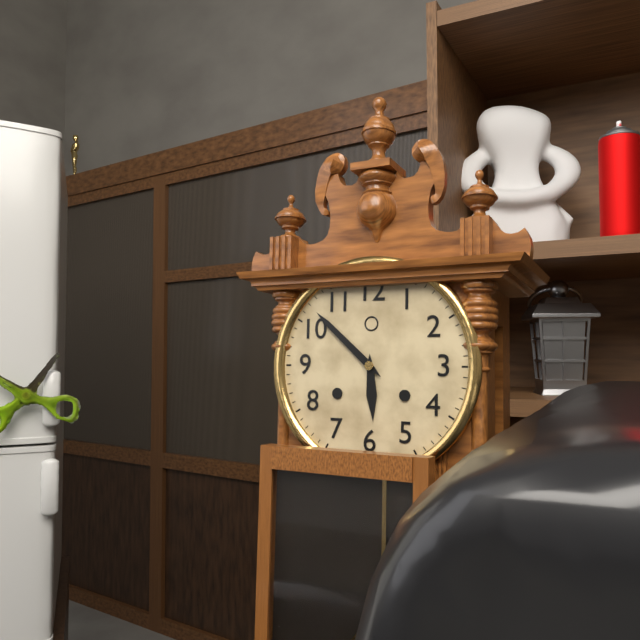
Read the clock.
5:52
